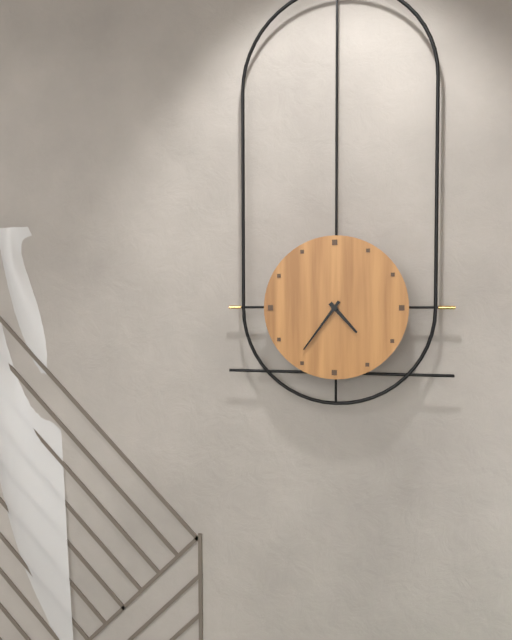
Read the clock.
4:36
